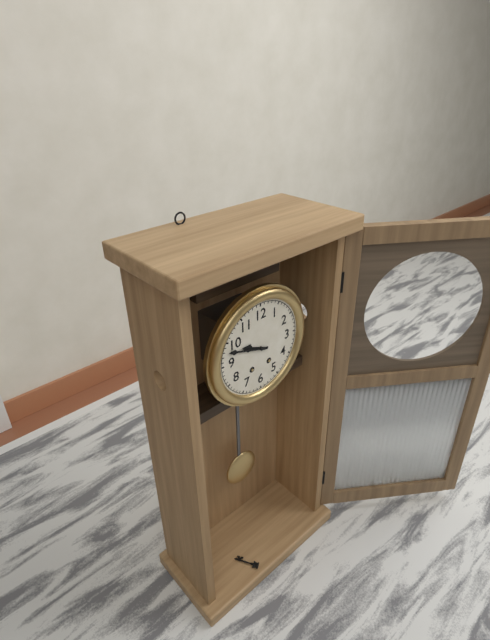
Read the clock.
9:48
